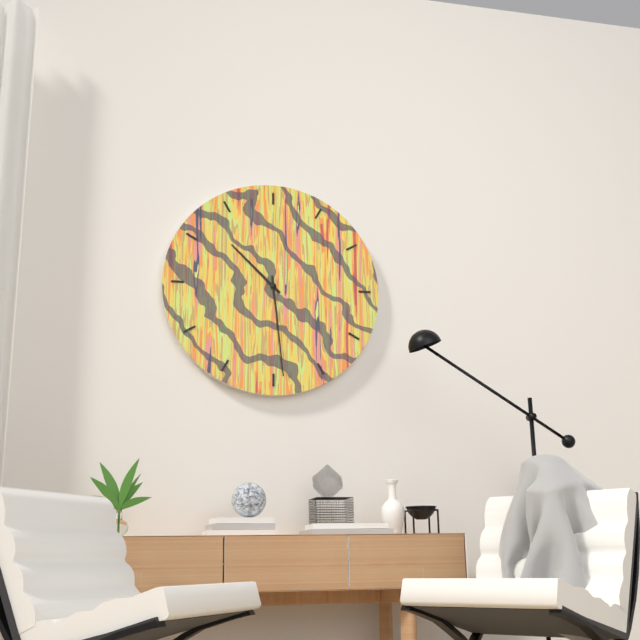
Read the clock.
10:29
